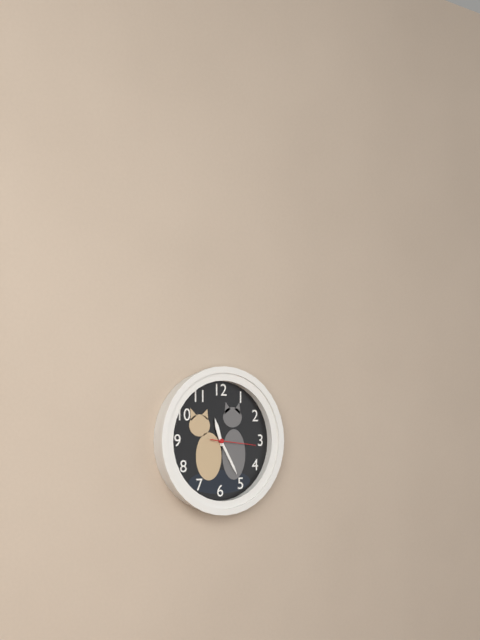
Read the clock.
11:25
